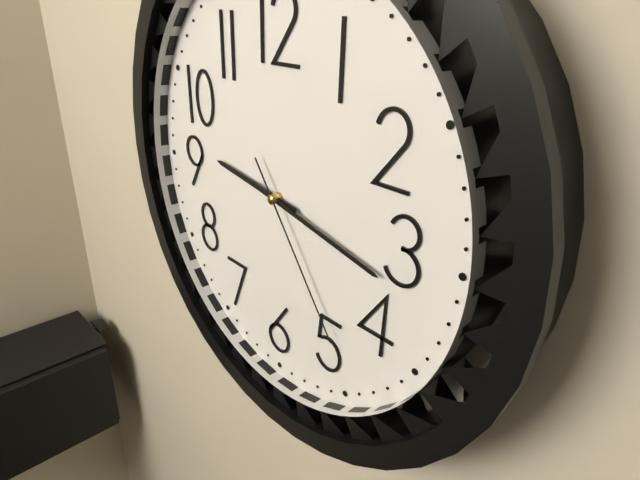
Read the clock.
9:17:24
